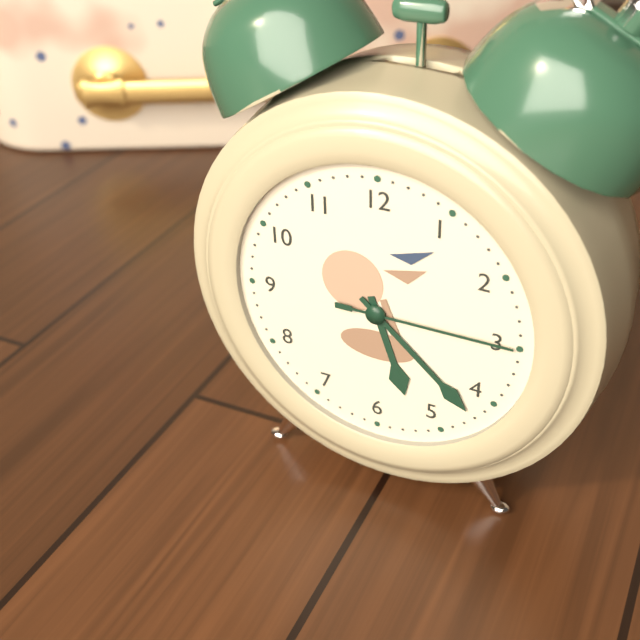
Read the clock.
5:22:15
